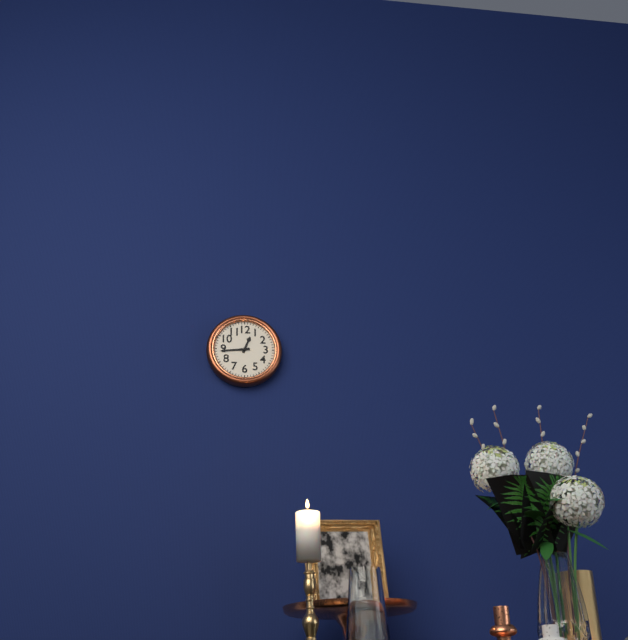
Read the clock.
12:44
